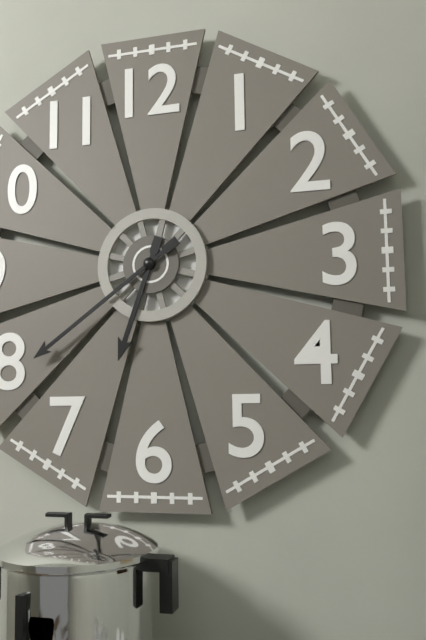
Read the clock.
6:39
